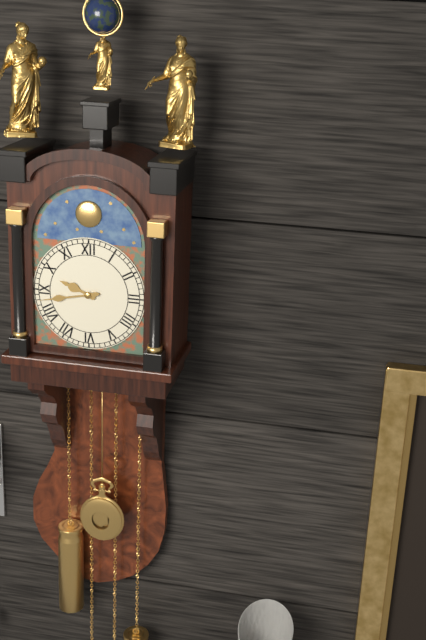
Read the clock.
9:43
